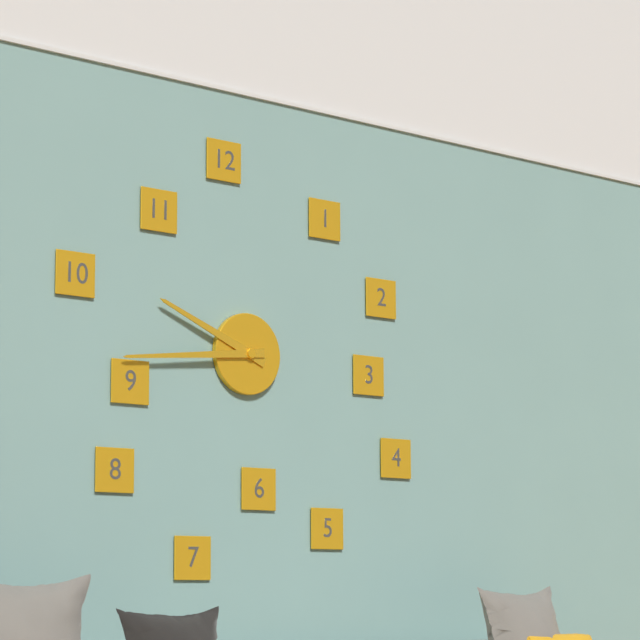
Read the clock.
9:44
